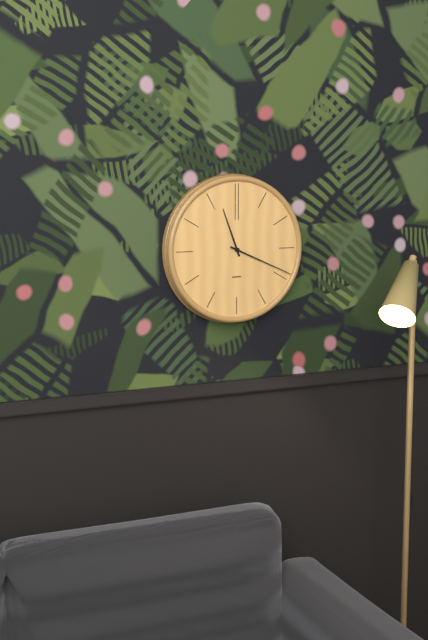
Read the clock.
11:19
